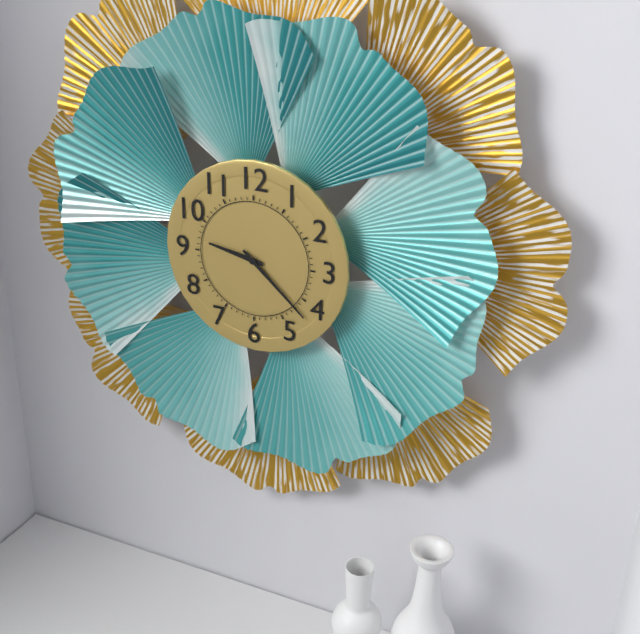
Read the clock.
9:22
